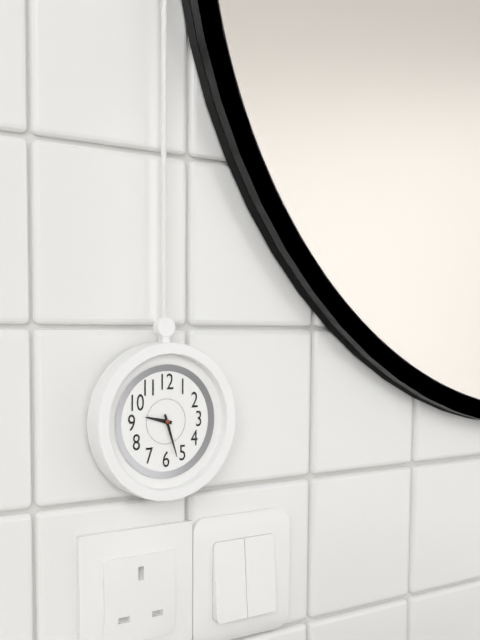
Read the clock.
9:27
